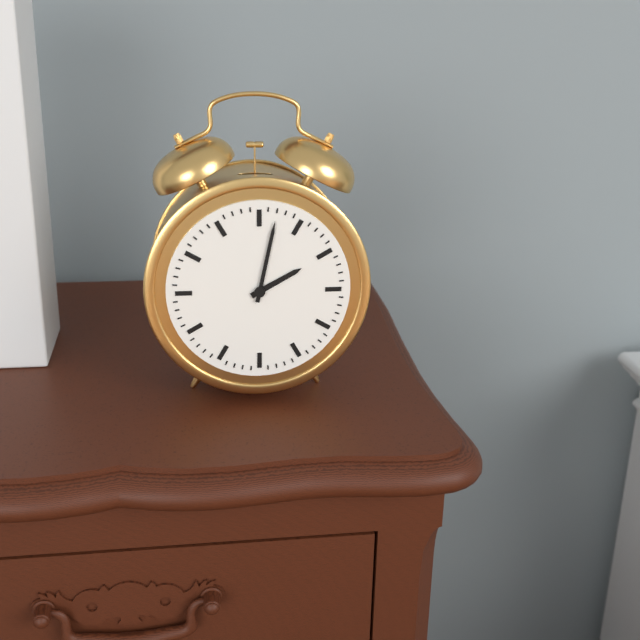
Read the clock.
2:02
